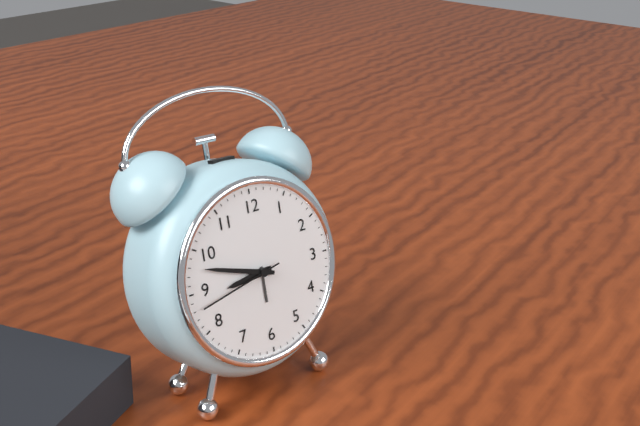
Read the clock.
8:48:43
